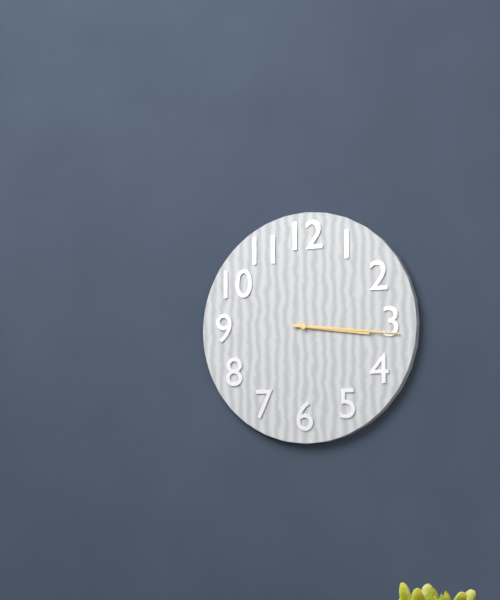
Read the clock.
3:16
